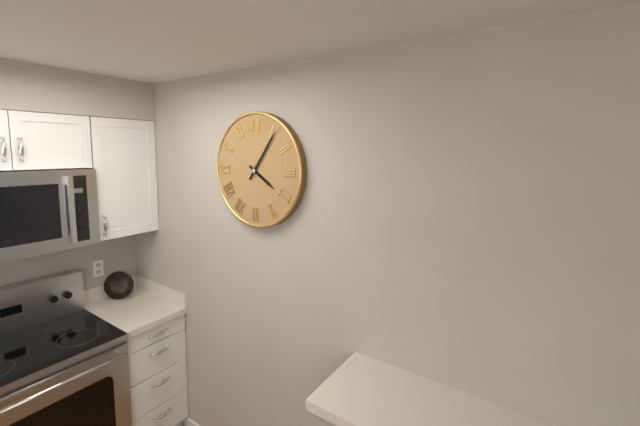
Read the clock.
4:06
